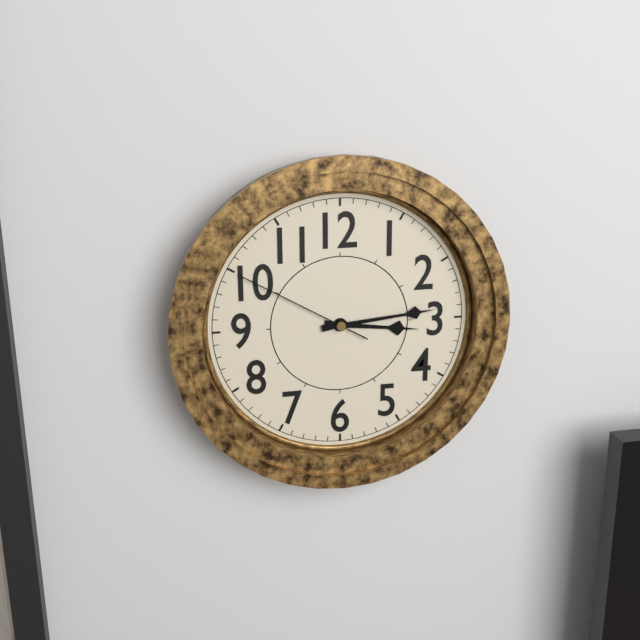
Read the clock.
3:14:50
